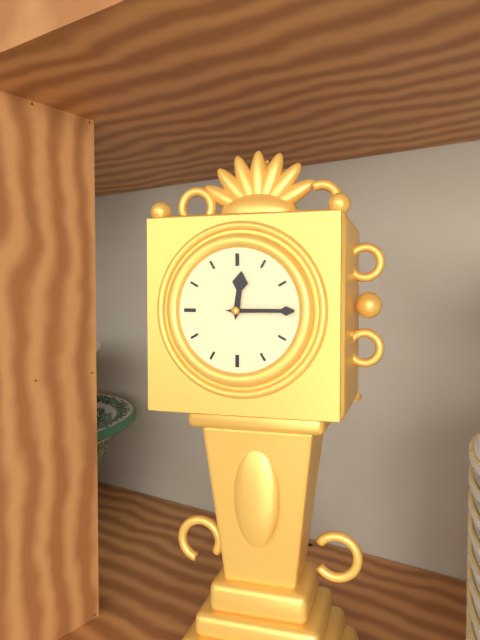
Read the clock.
12:15
